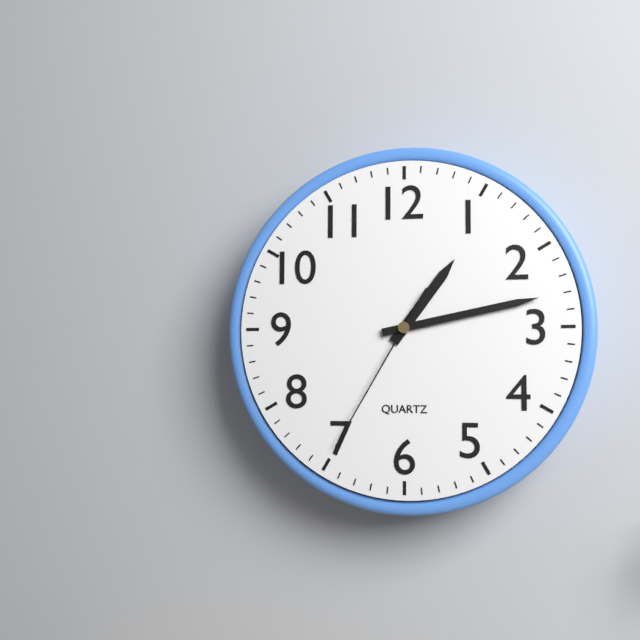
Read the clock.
1:13:35
